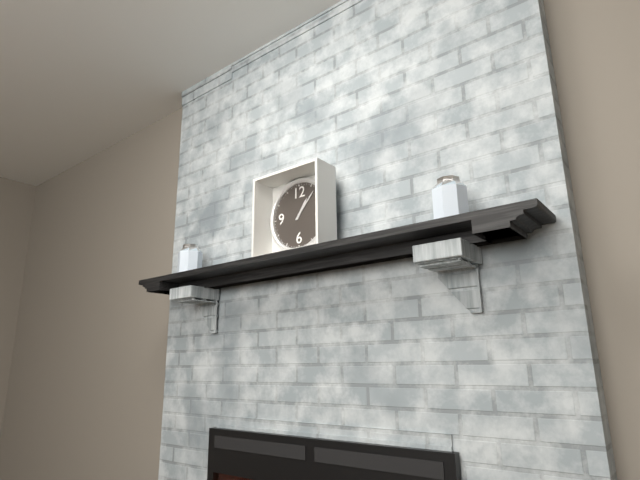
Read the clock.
1:07
